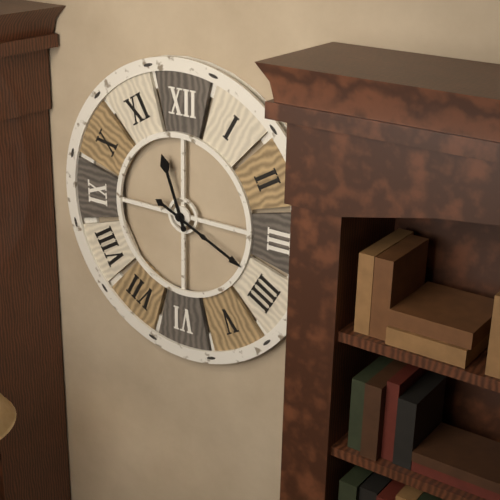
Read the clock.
11:19
